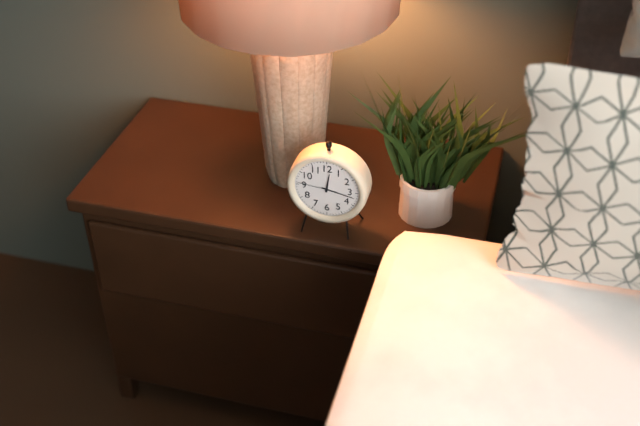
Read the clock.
12:17
